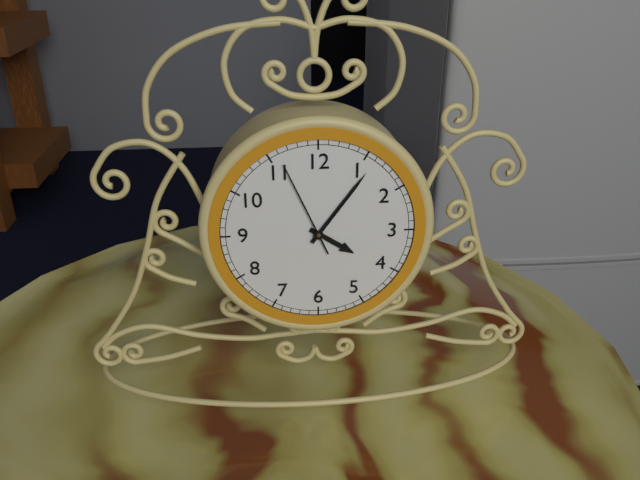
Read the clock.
4:06:56
